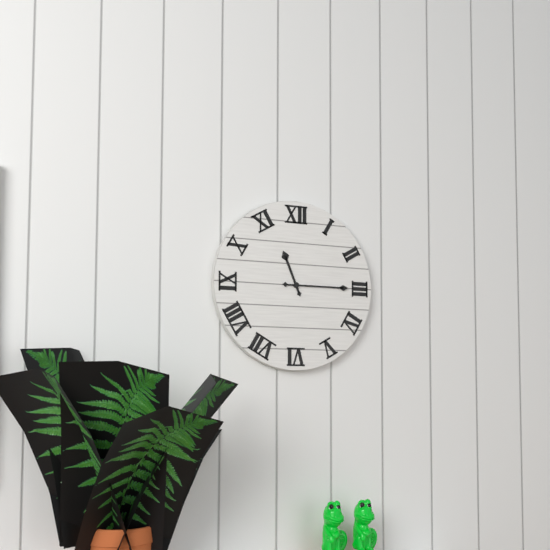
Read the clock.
11:15
